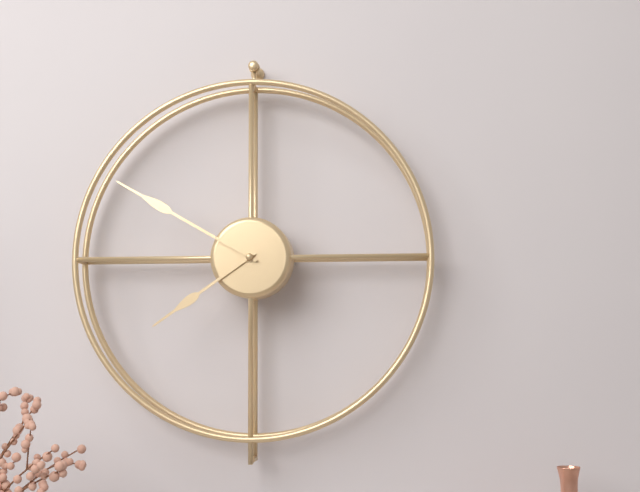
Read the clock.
7:50
